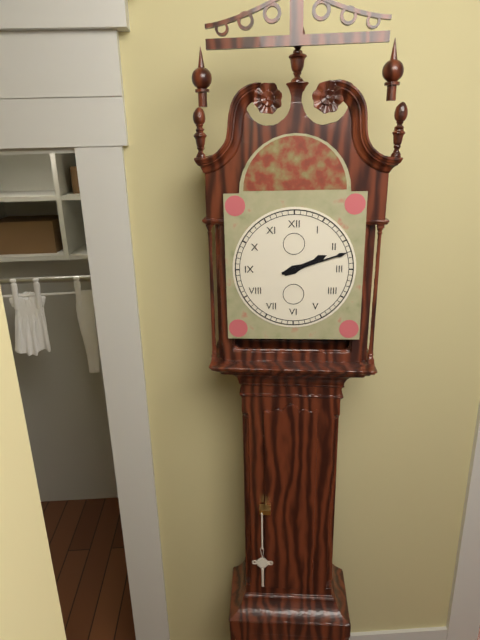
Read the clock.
2:12
